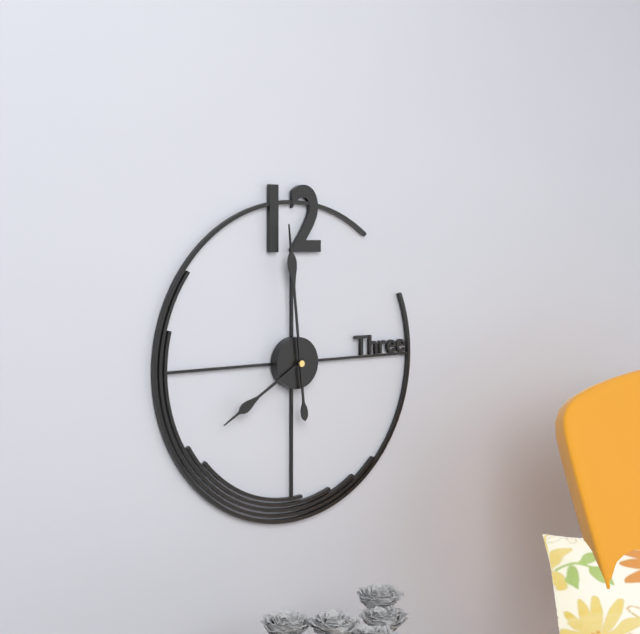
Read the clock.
7:59
